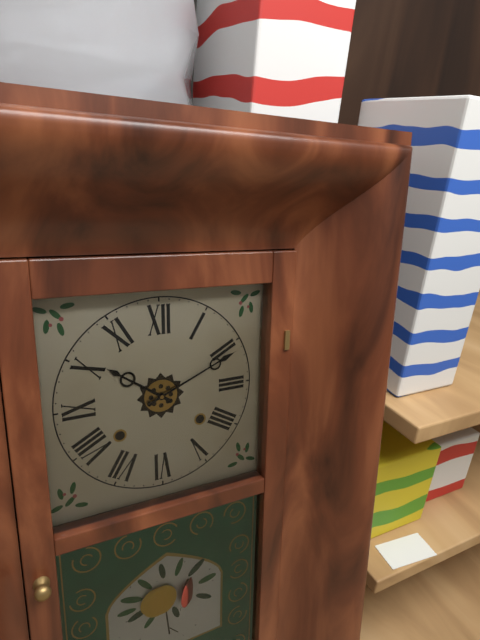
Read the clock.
10:11
